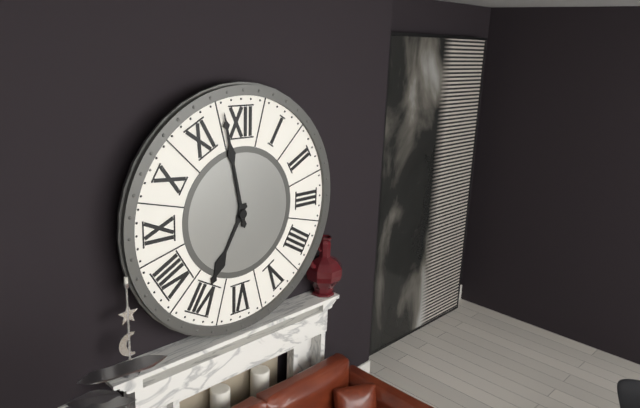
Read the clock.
6:58
